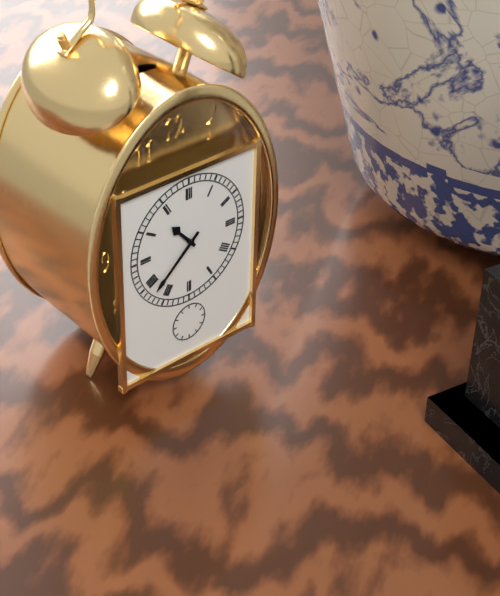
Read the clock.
10:38
